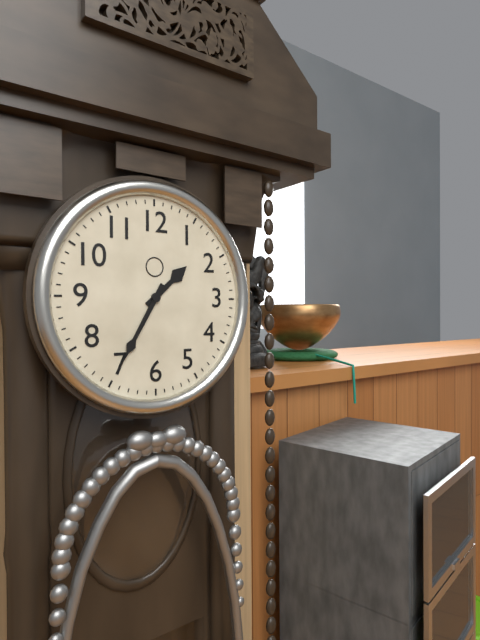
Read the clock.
1:35
